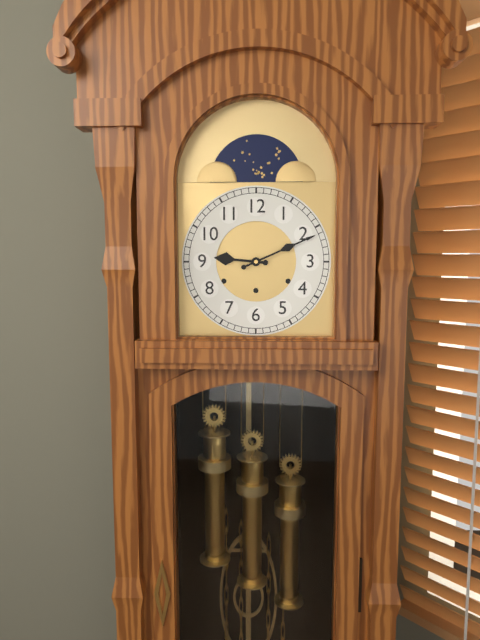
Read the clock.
9:11
